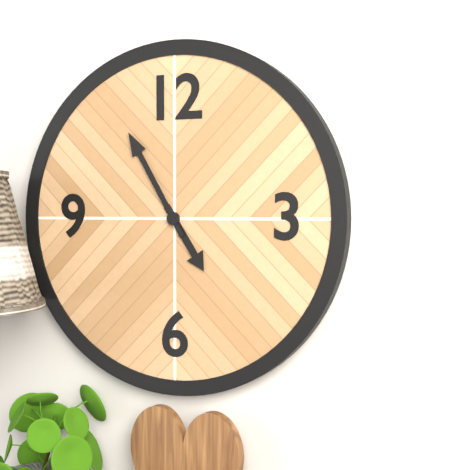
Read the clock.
4:55
